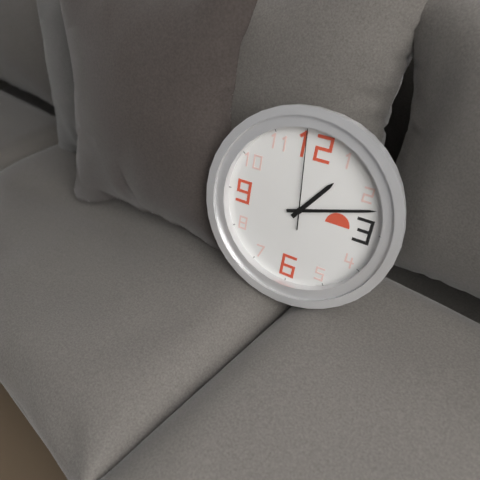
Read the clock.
1:12:59
